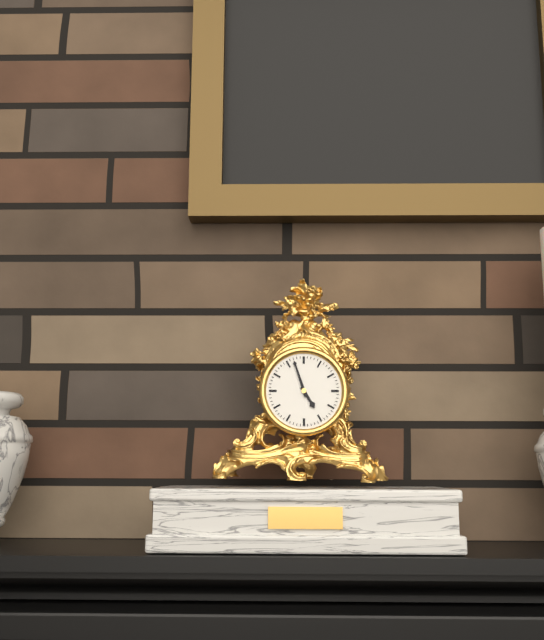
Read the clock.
4:57
